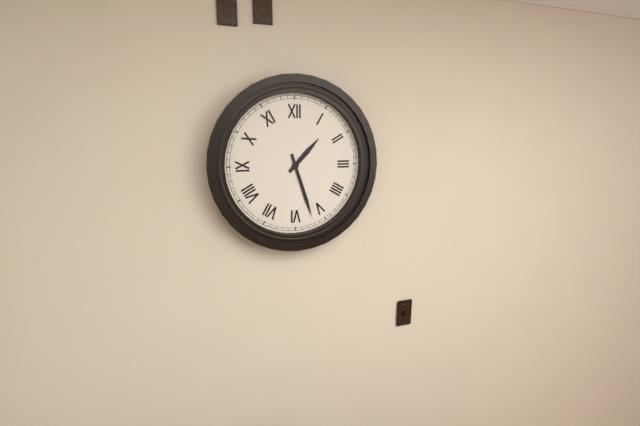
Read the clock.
1:27
